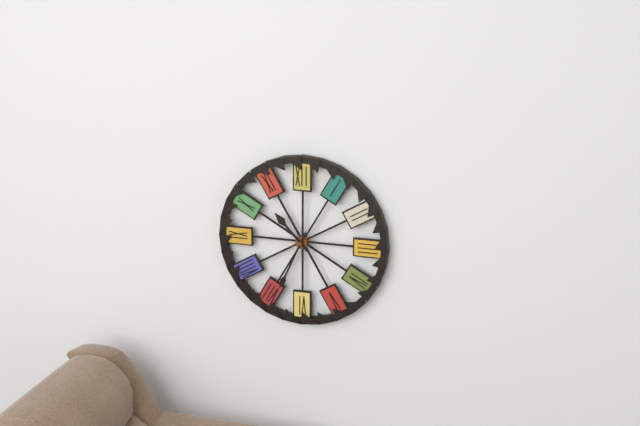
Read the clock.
10:34
